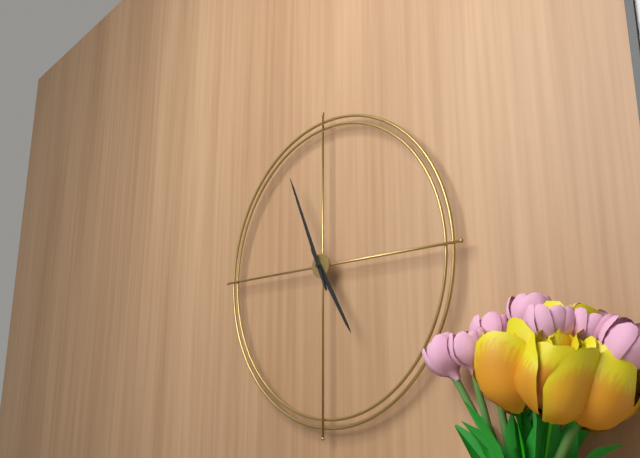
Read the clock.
4:56
